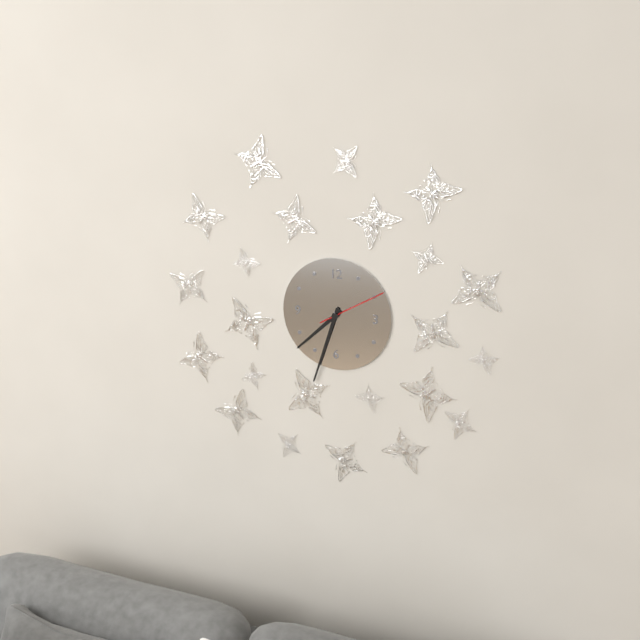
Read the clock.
7:33:10
